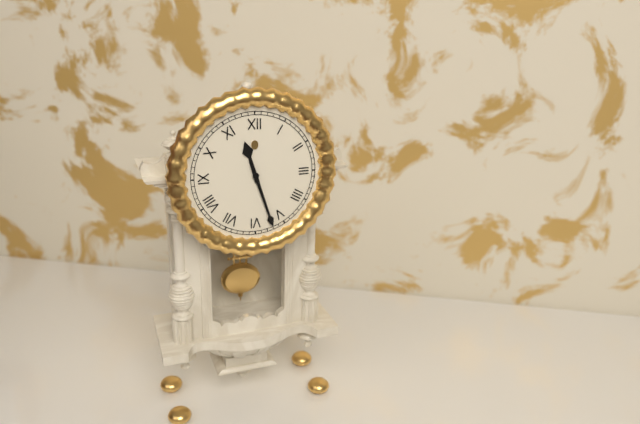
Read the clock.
11:27
